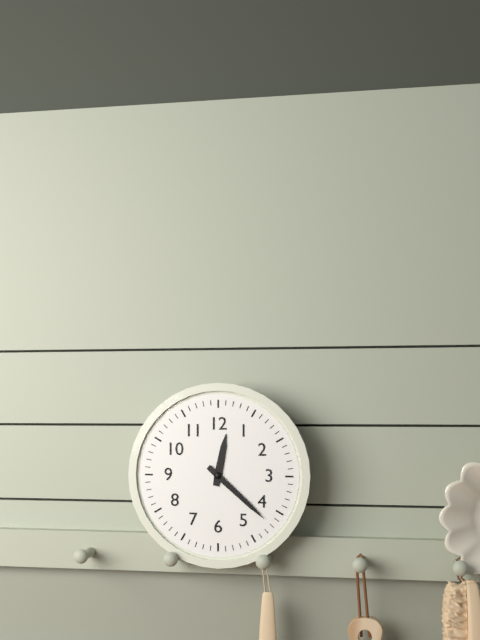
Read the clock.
12:22
